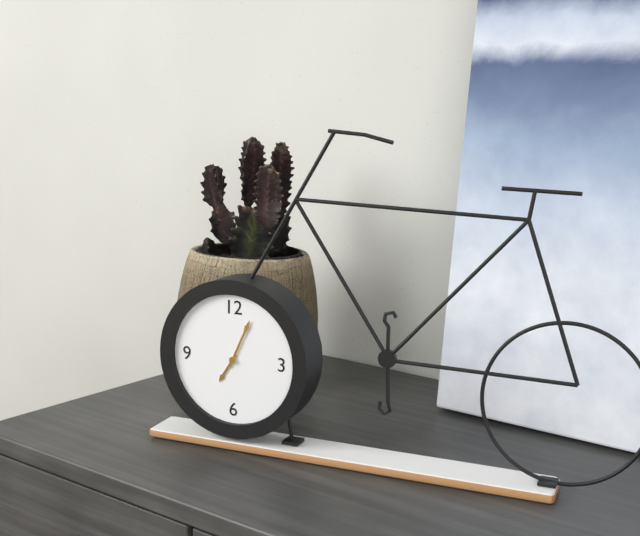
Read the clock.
7:04
